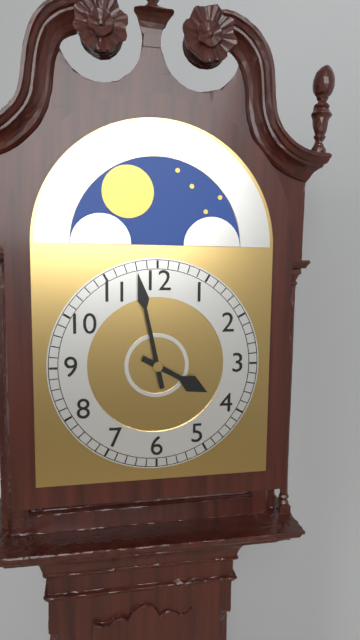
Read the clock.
3:58
